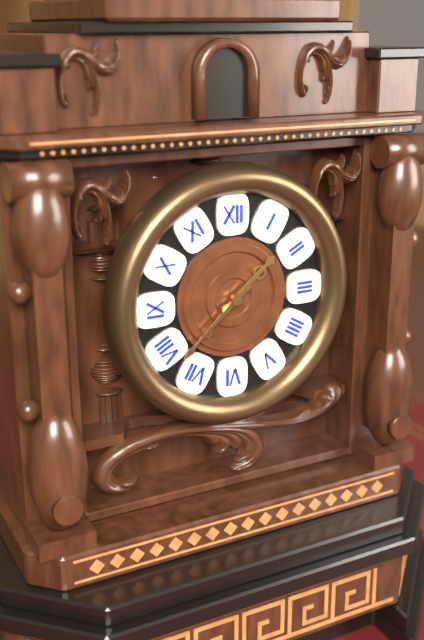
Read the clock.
1:38
